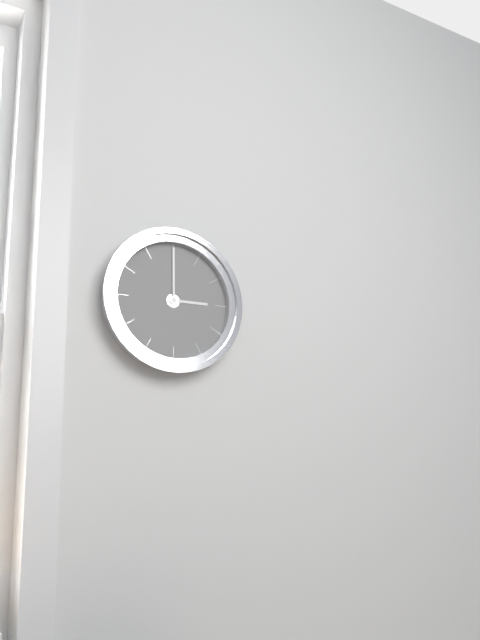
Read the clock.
3:00
